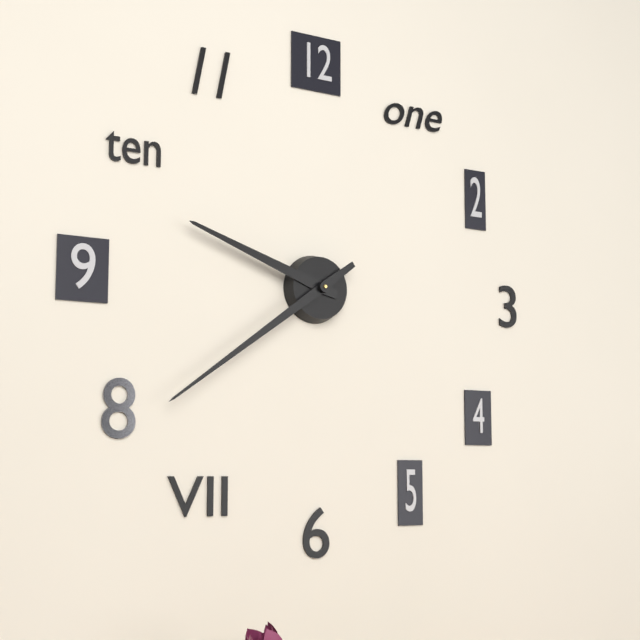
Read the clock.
9:39
